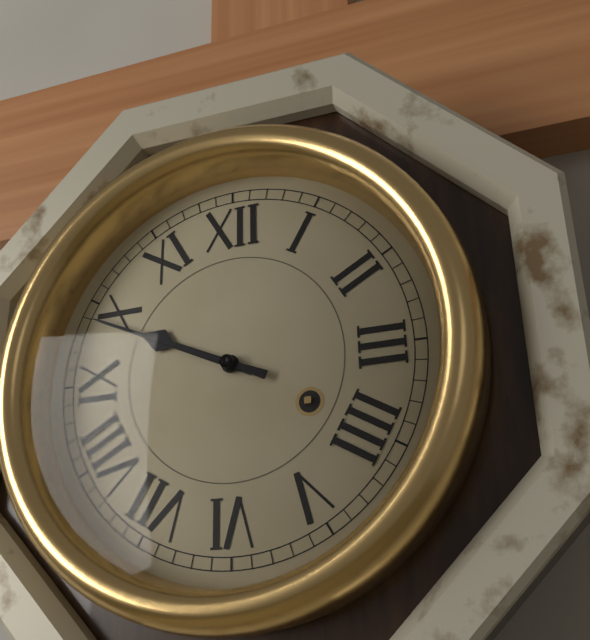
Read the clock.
9:49
